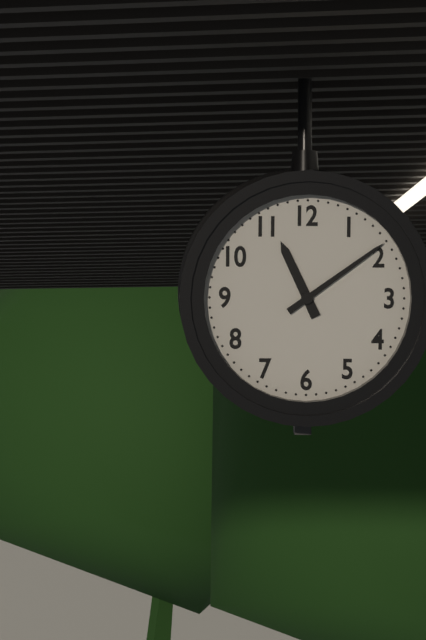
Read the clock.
11:09
